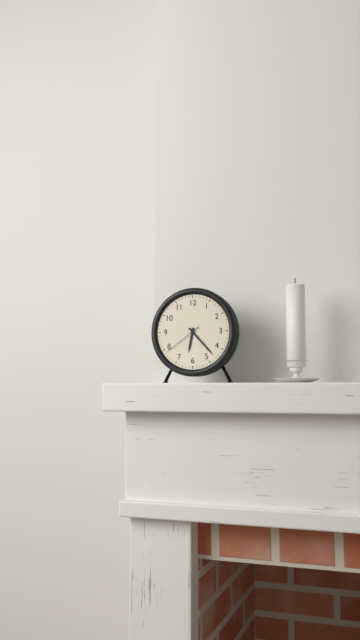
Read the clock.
6:23
